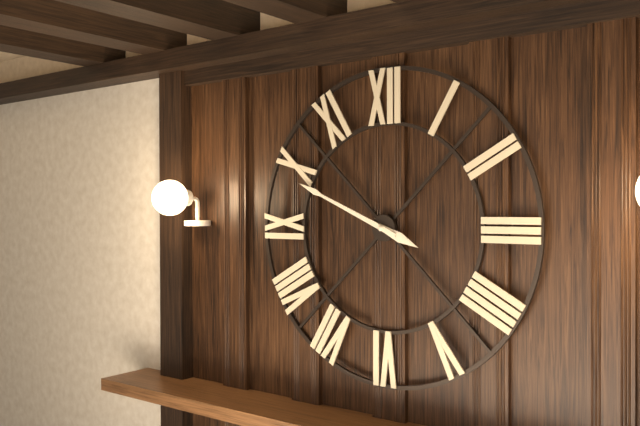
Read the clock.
3:49
